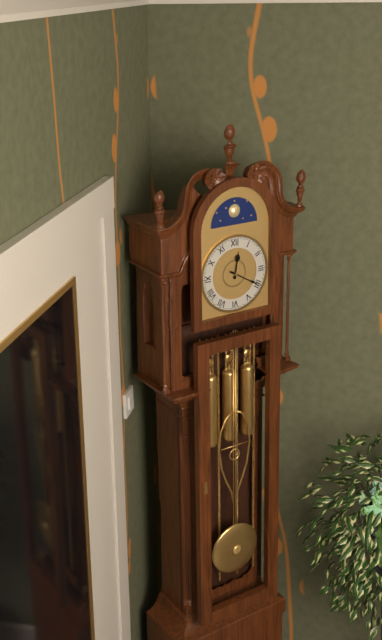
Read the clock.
12:20
